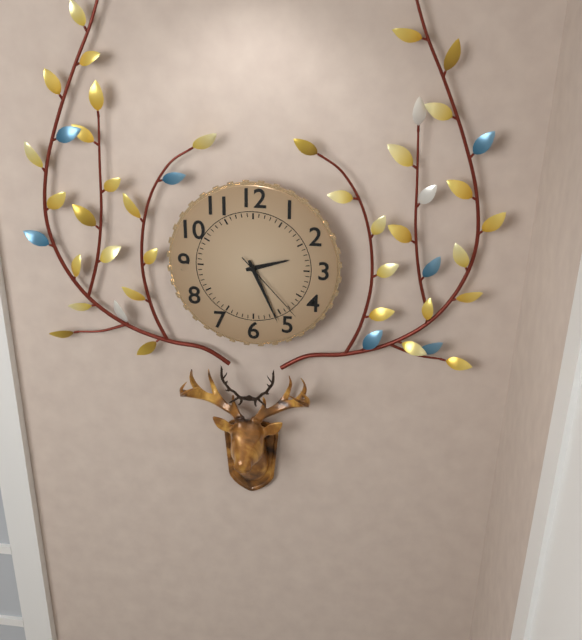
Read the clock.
2:26:23
